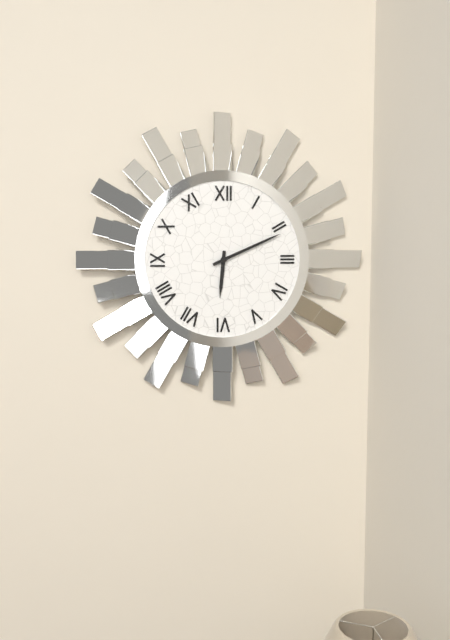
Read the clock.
6:11
